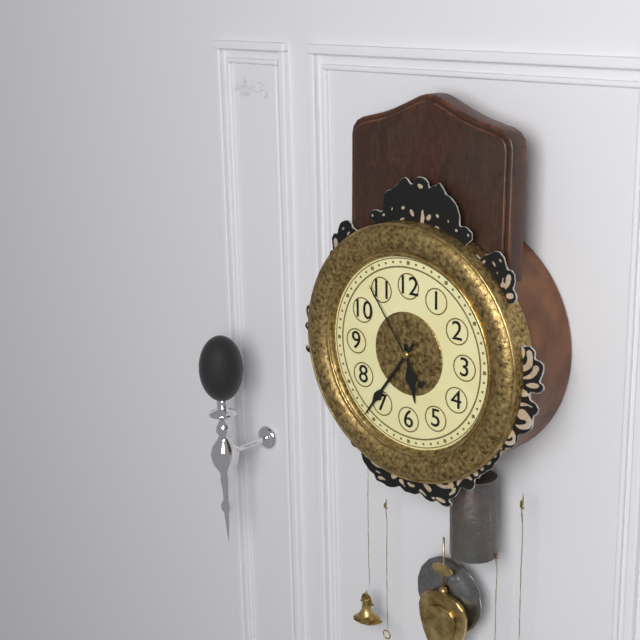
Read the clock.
5:36:54
